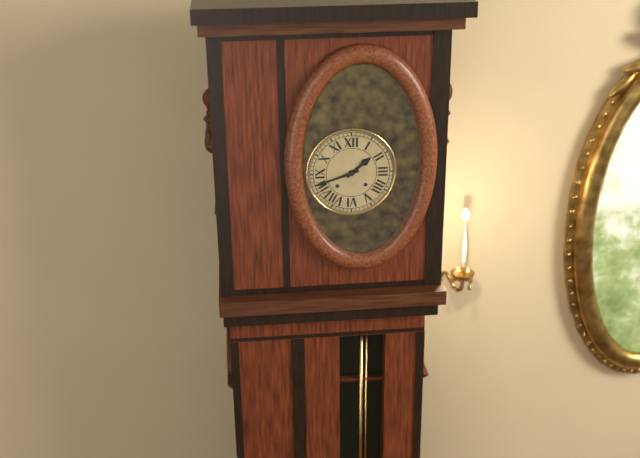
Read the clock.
1:42
